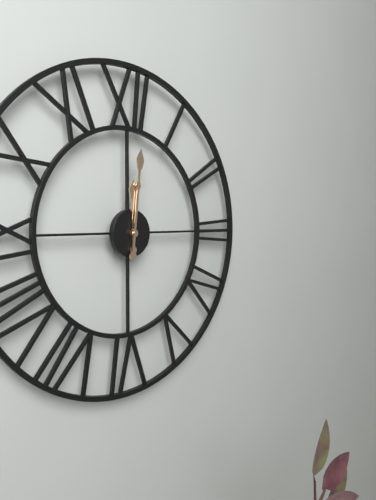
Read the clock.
12:01
